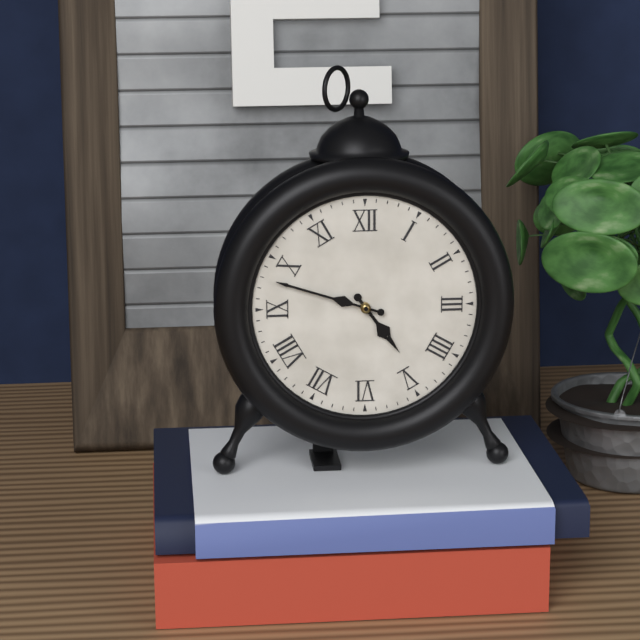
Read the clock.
4:48
